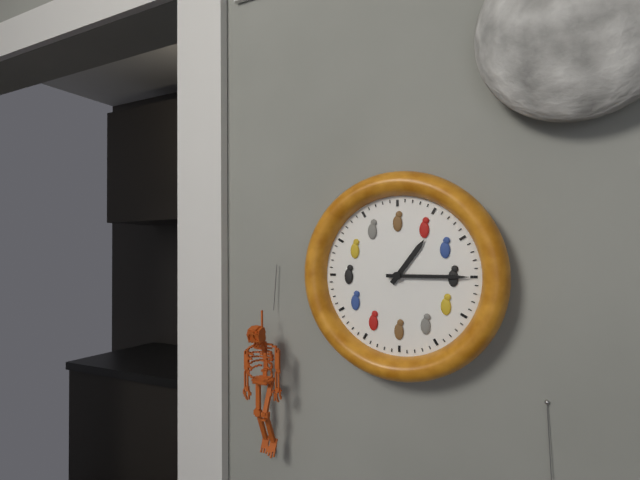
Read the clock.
1:15
